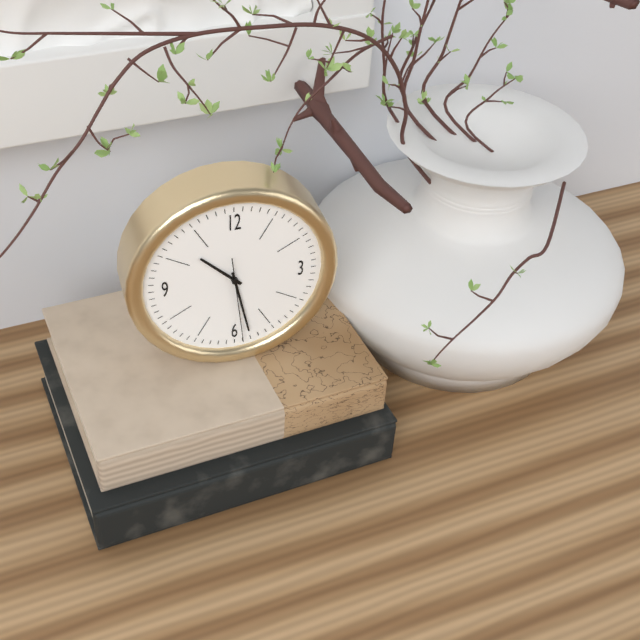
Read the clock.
10:28:29
